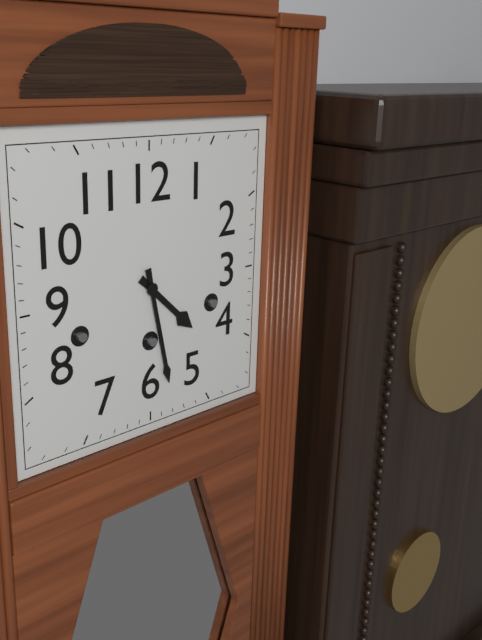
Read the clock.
4:28
